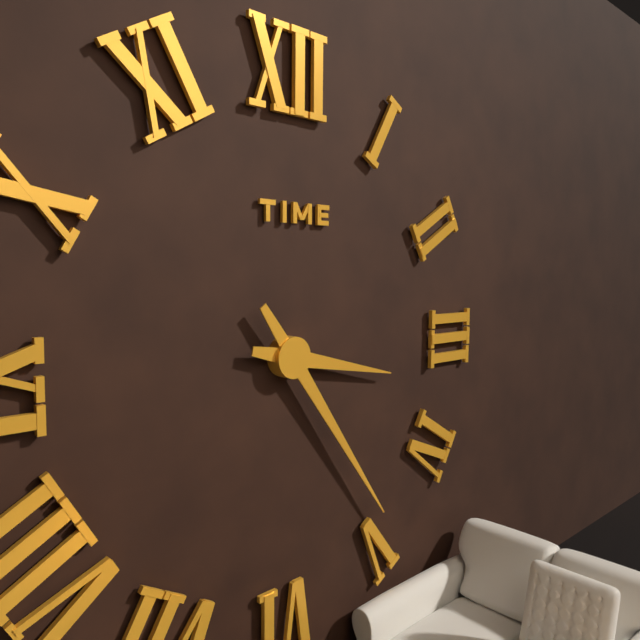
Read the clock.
3:24
